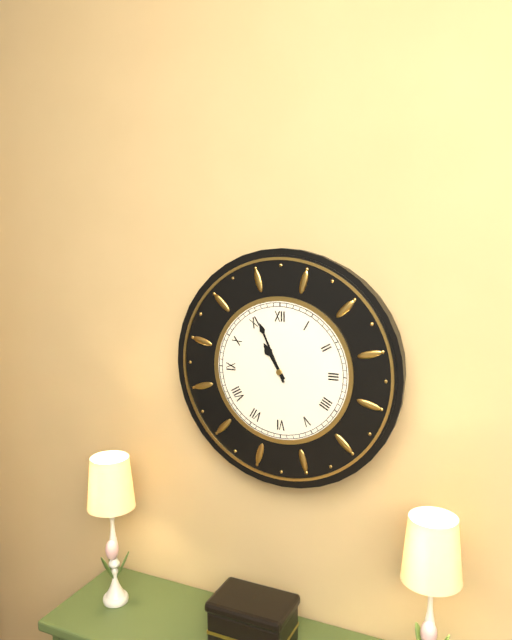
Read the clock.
10:56
